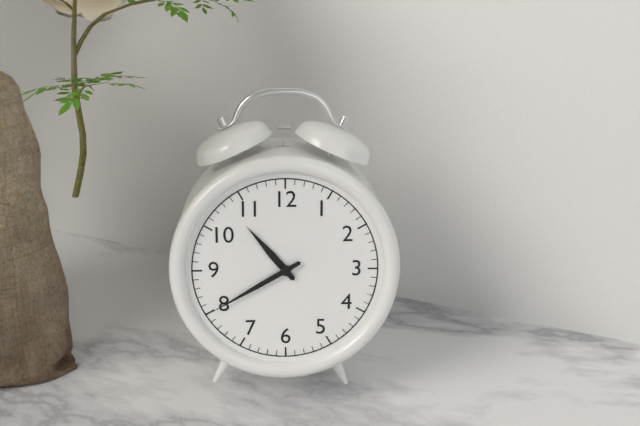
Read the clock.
10:40
